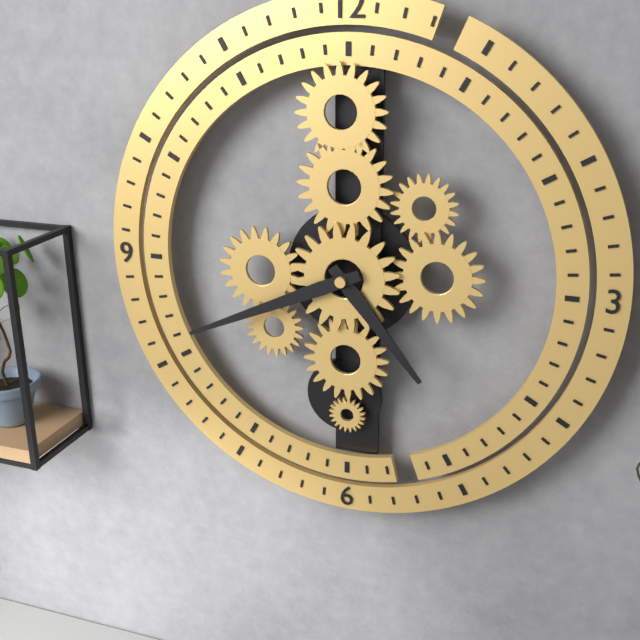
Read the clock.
4:41
